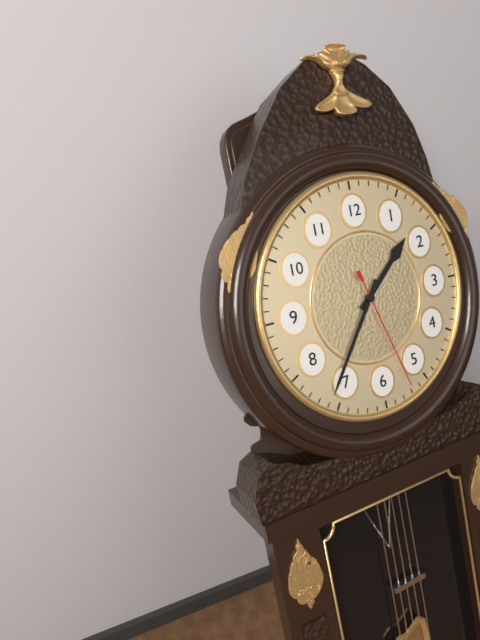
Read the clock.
1:36:27
